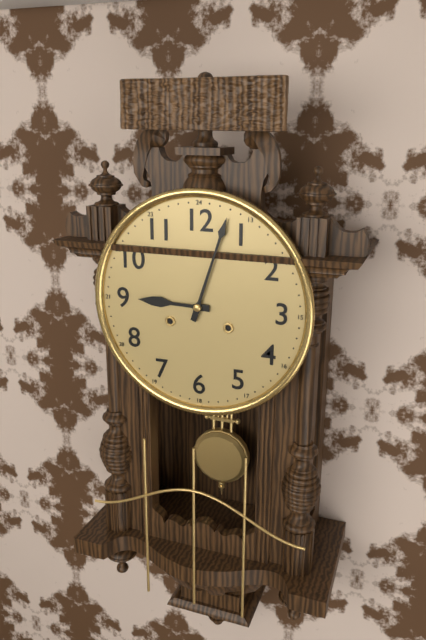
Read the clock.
9:03
